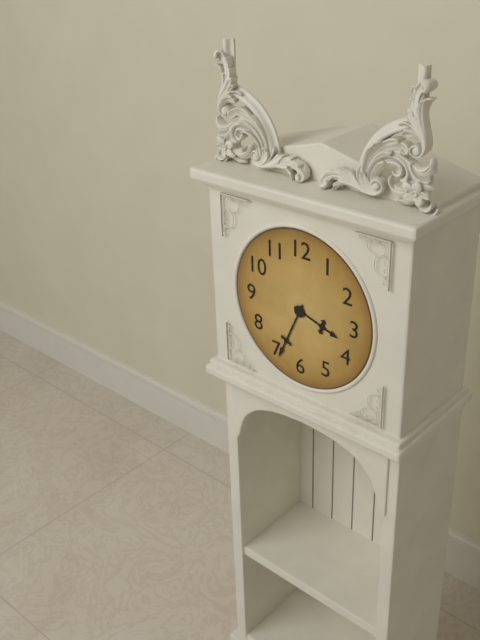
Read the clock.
3:34
